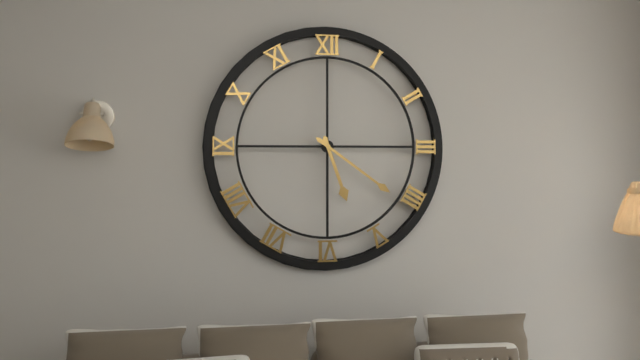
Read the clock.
5:21
